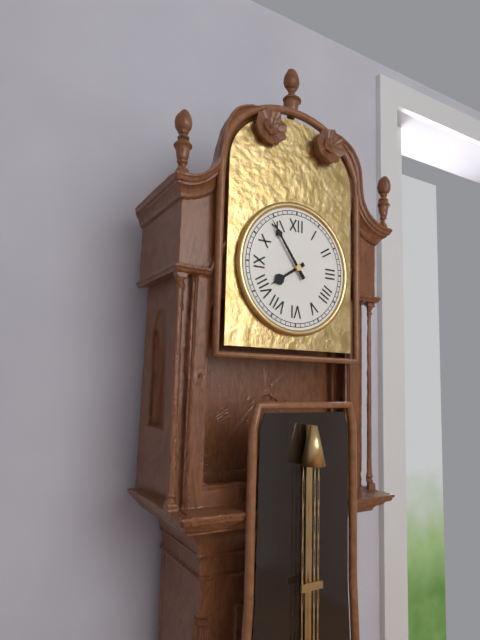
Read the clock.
7:54
